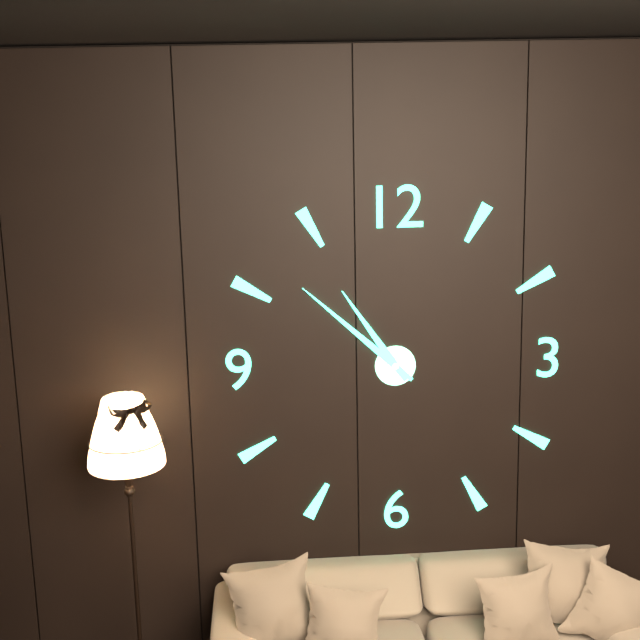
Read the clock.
10:52
